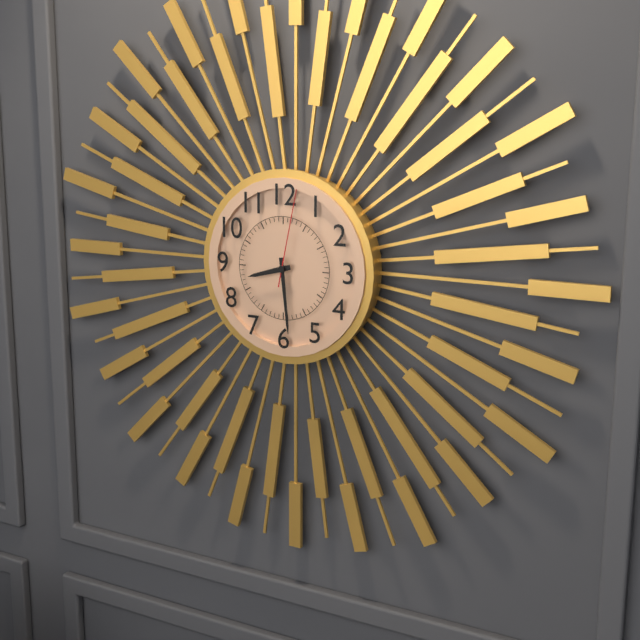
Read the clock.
8:29:02
